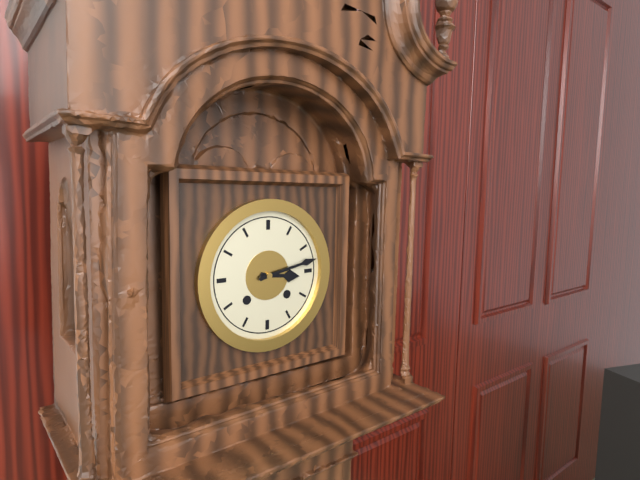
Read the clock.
3:13
